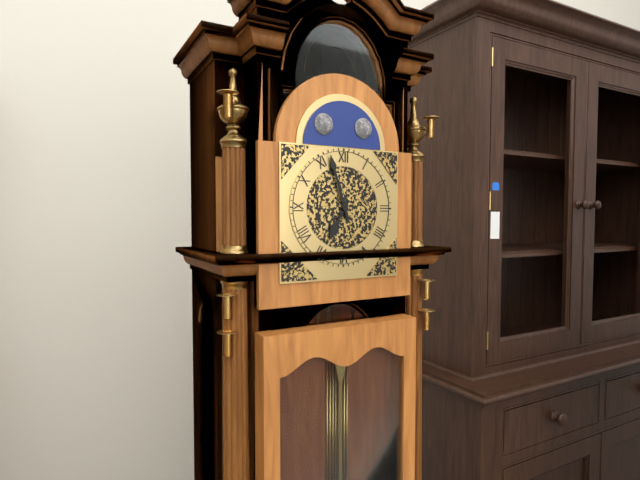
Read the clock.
6:57
